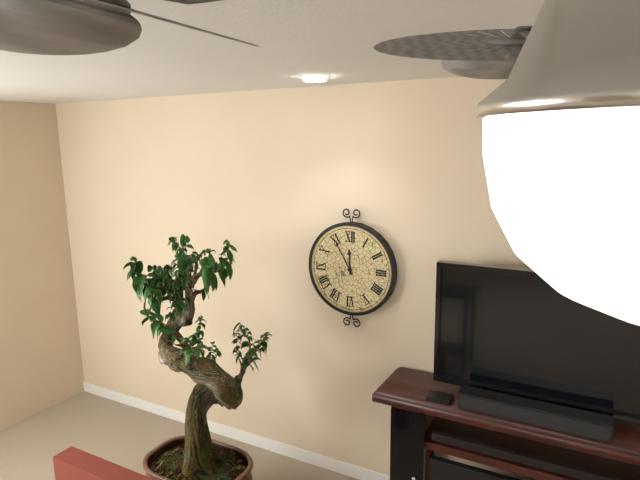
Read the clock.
11:55
